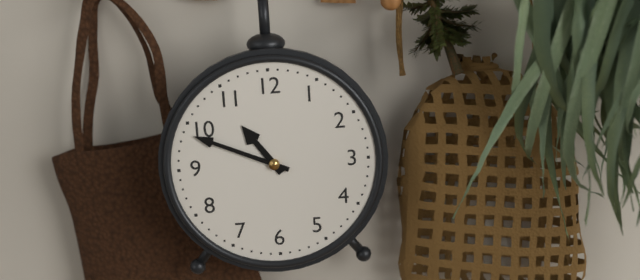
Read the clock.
10:49
